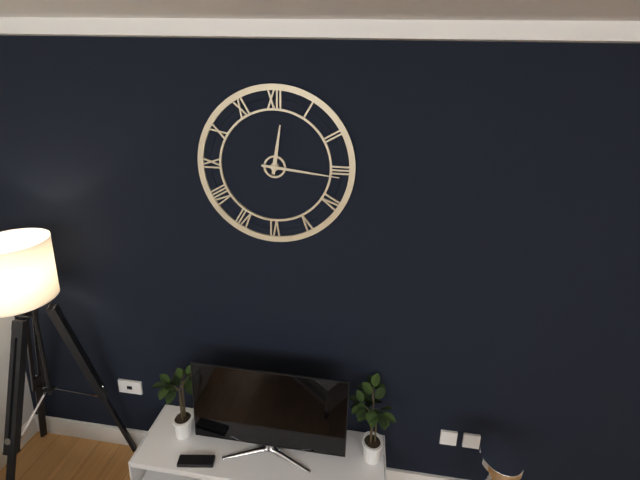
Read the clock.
12:16
